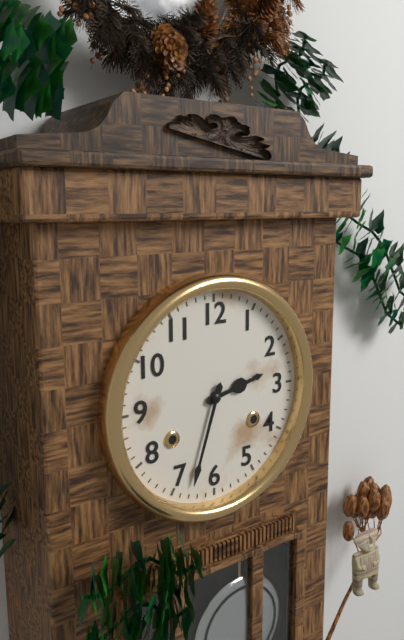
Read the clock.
2:33
